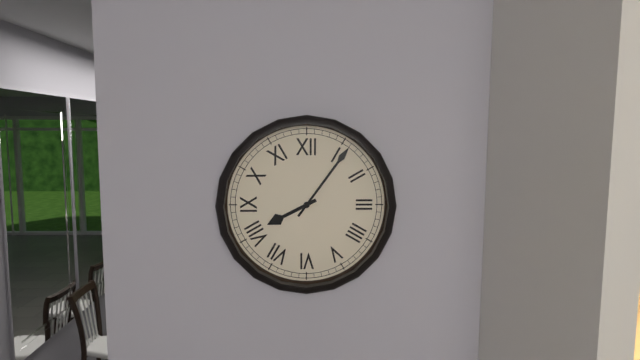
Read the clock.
8:06
